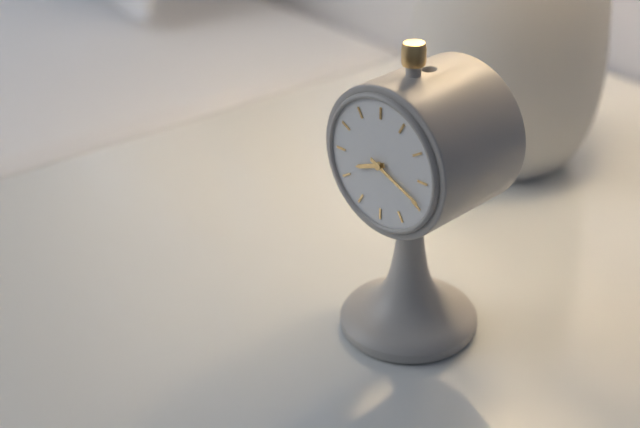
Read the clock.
8:19
